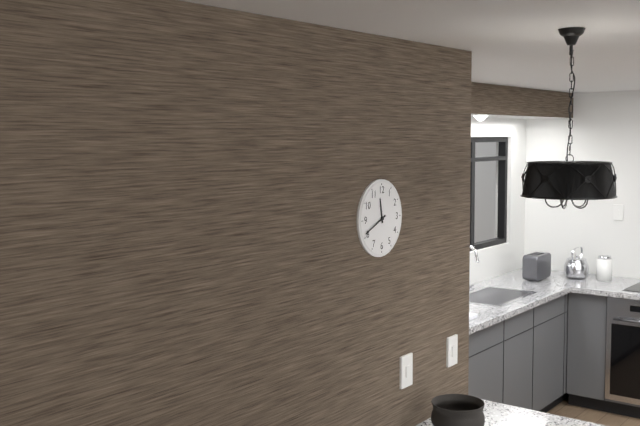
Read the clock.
11:41
